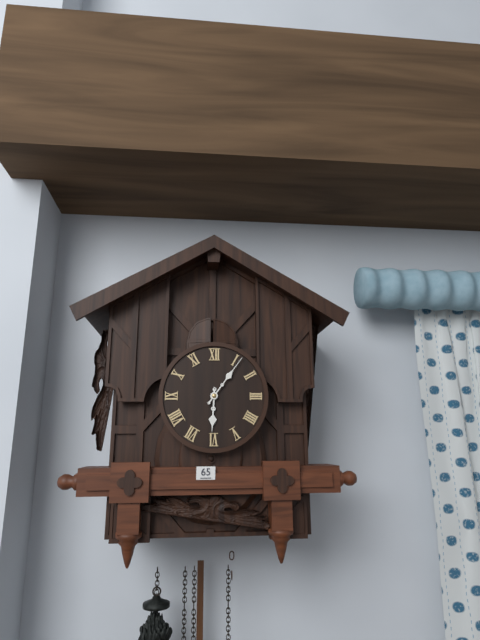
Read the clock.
6:06
